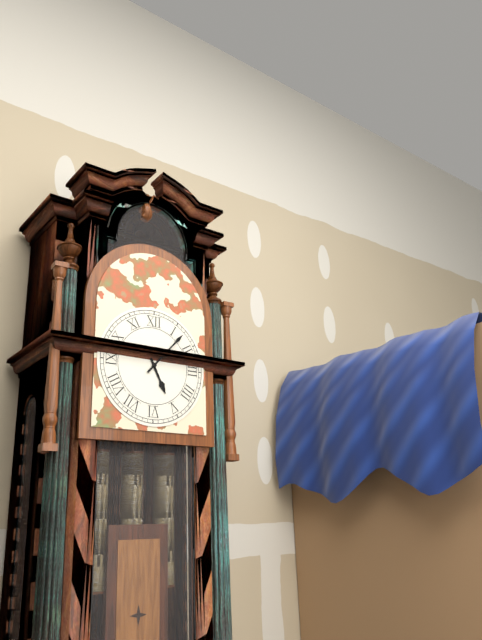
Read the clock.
5:07
